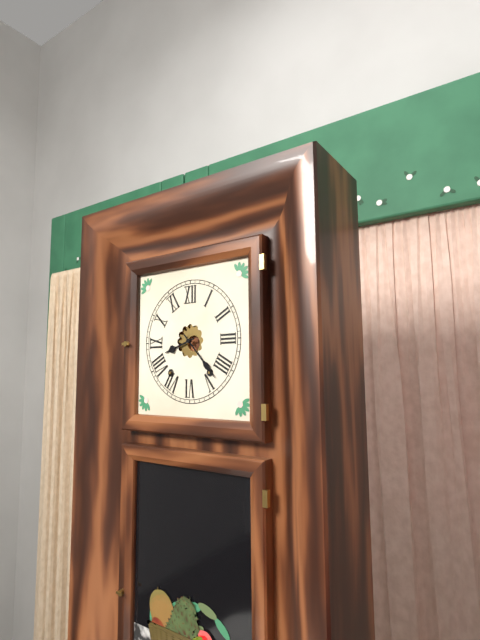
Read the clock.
8:23
